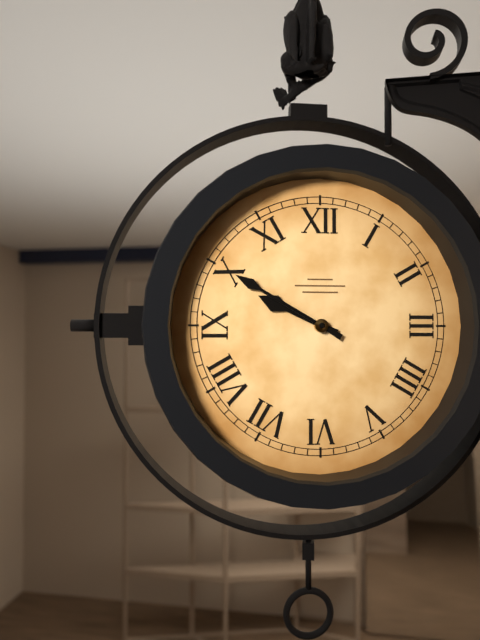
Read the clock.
9:50
